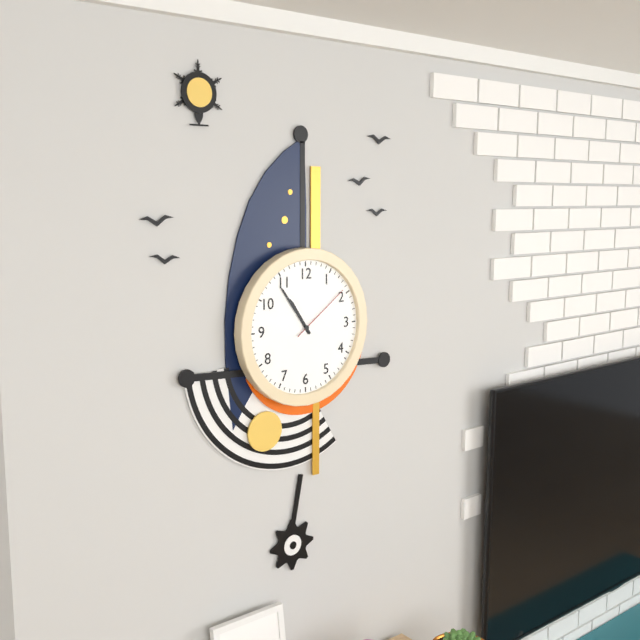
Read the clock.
10:54:09
